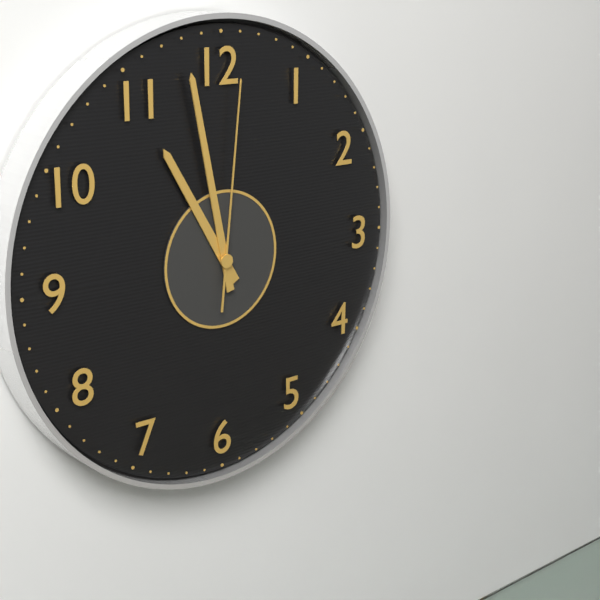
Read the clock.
10:58:01
